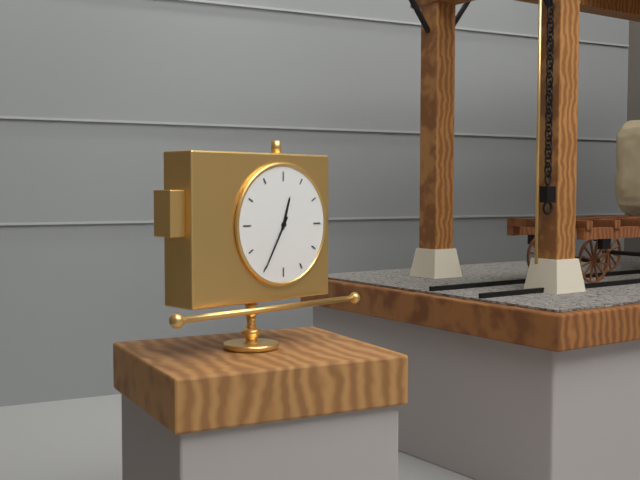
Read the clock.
12:35
